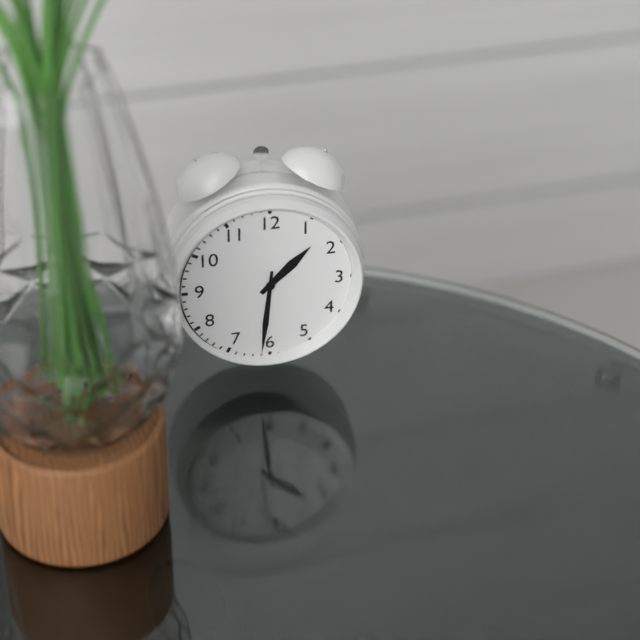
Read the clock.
1:31
